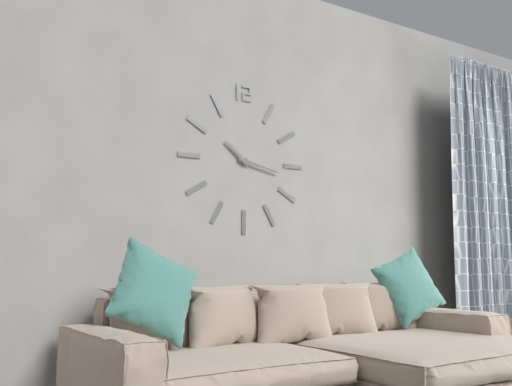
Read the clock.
10:17
